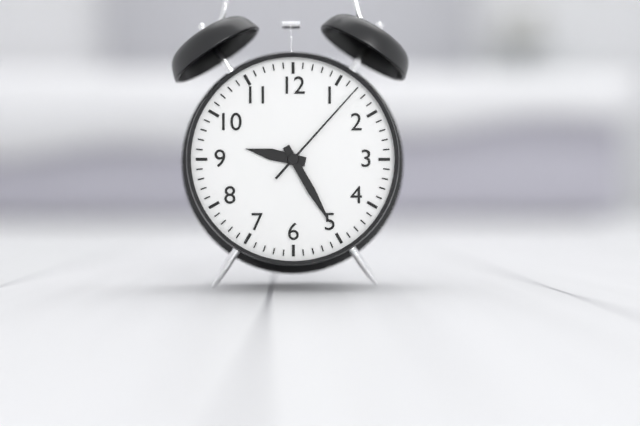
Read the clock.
9:25:07
